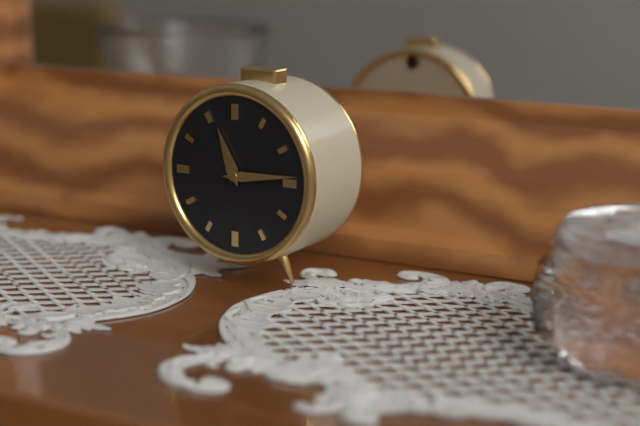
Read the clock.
11:14
